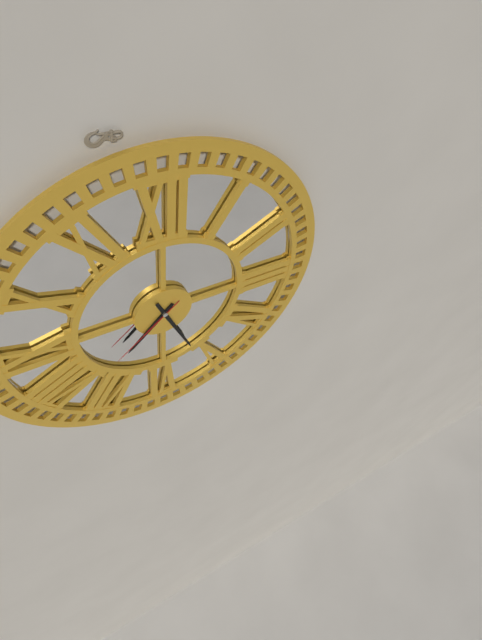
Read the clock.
7:26:38
